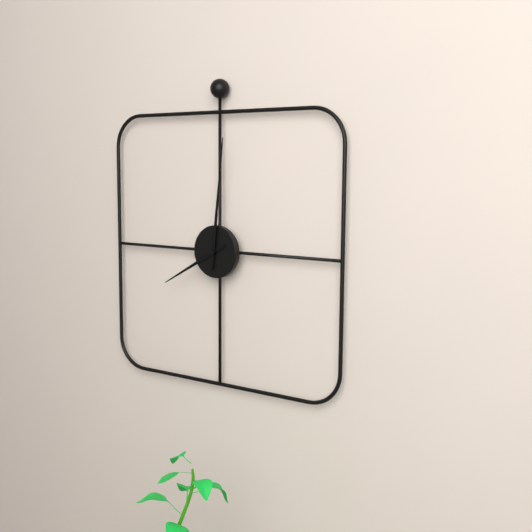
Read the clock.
8:01
